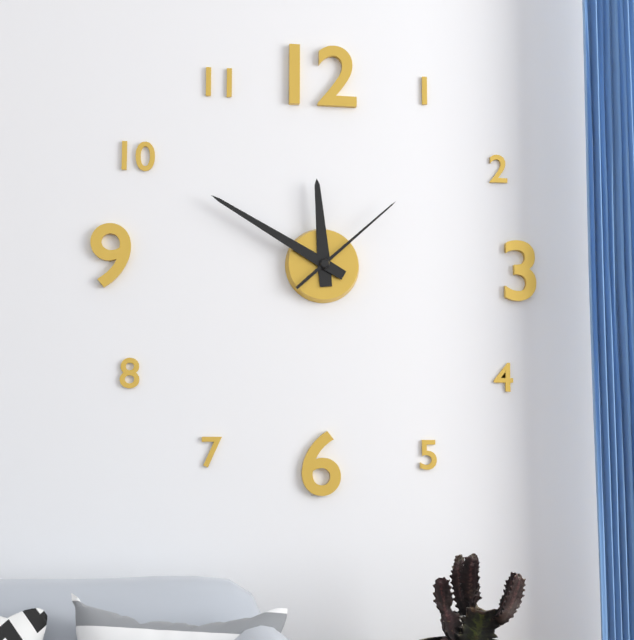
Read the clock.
11:50:08
